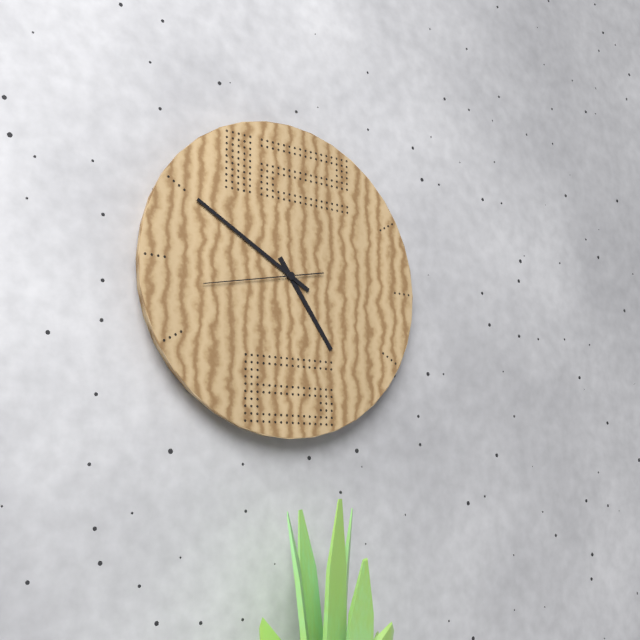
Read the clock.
4:50:43
